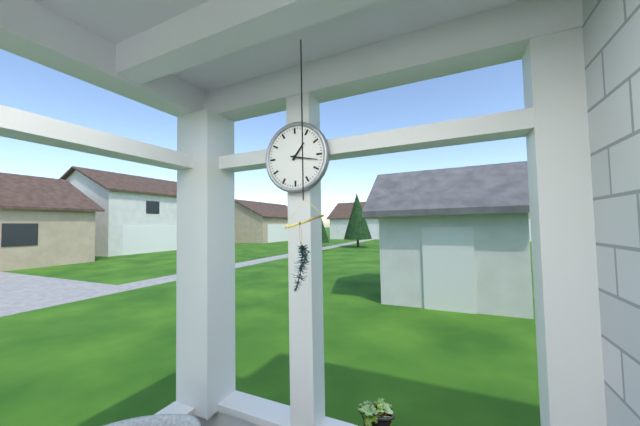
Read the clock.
1:17
